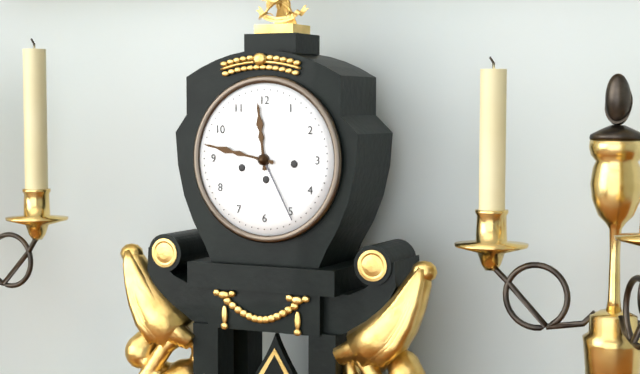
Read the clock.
11:47
